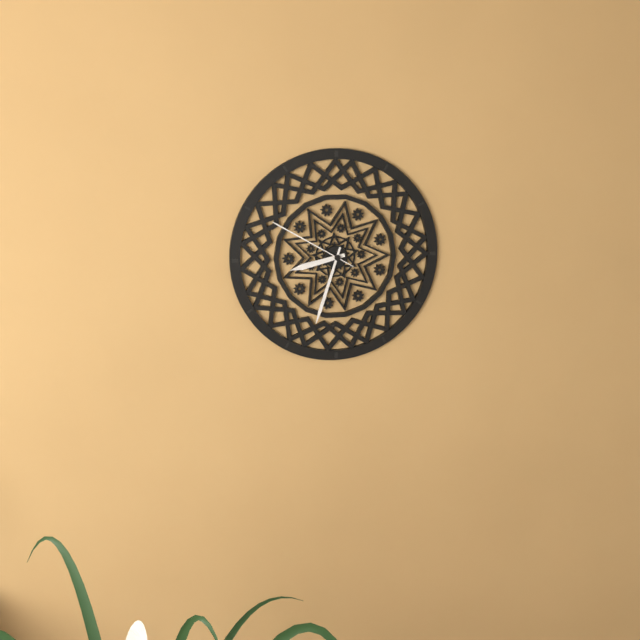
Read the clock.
8:33:50
